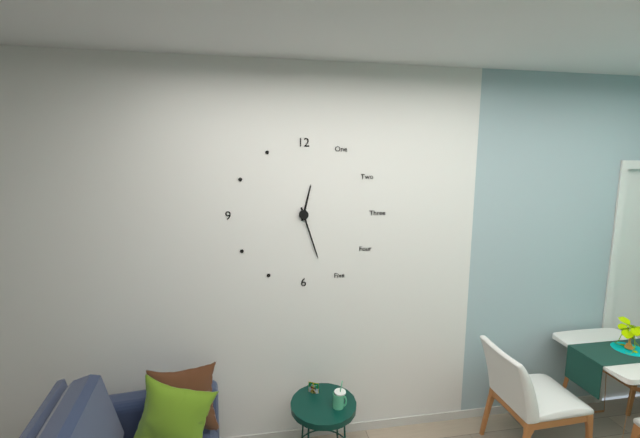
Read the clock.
12:27
